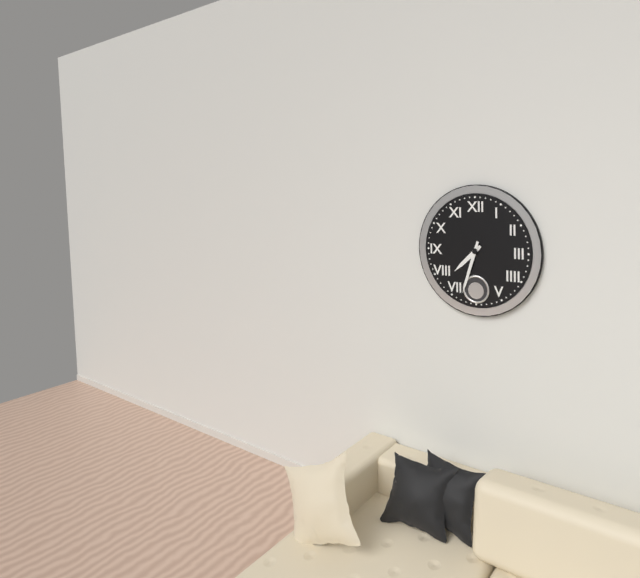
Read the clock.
7:33
